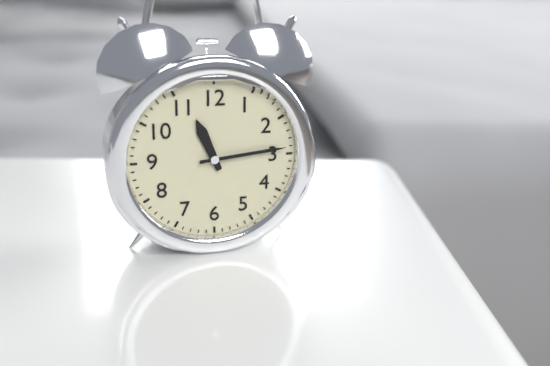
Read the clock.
11:14
